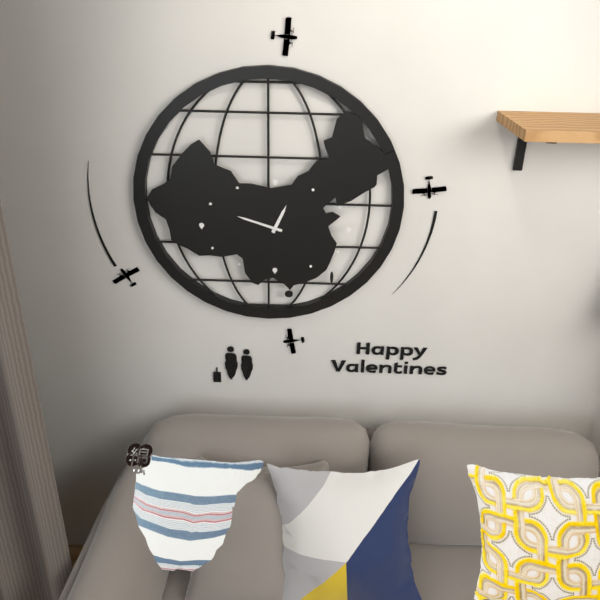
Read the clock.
12:48
